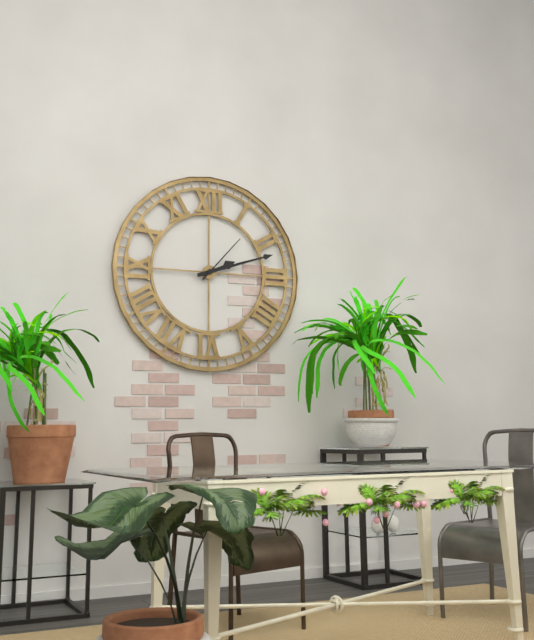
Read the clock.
2:12:07
